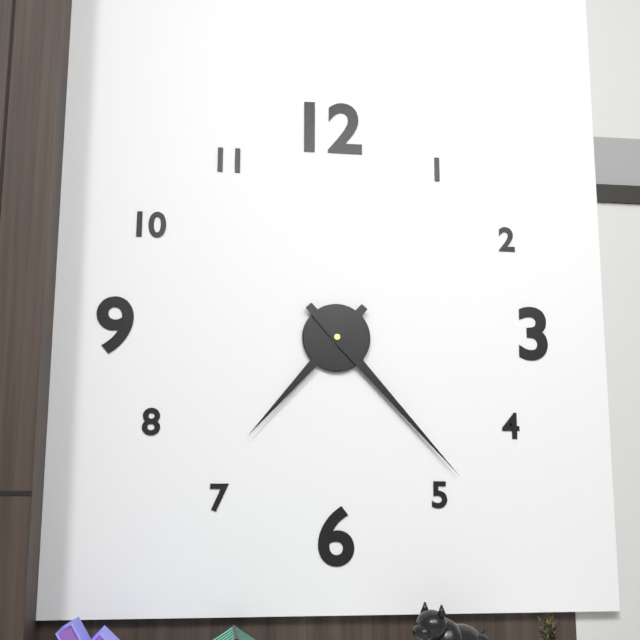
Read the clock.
7:23
